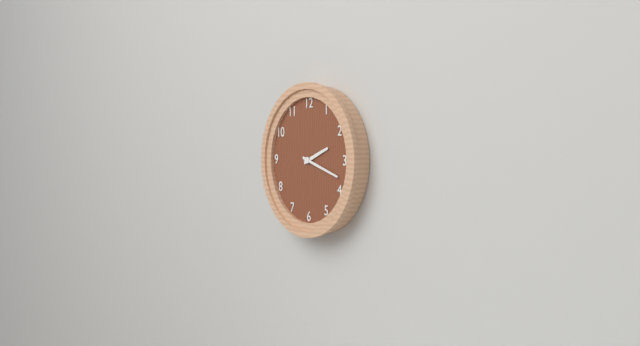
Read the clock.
2:18
